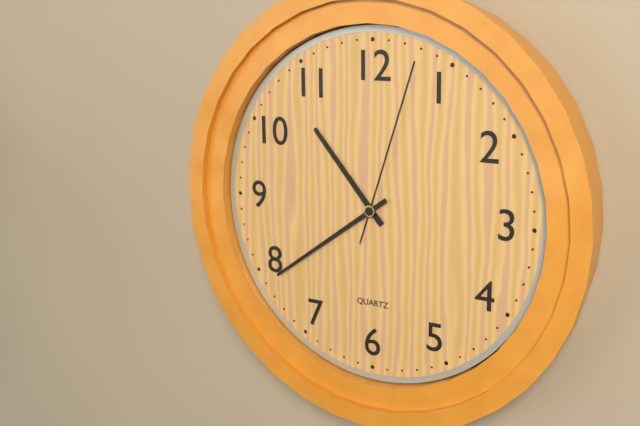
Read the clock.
10:39:03
